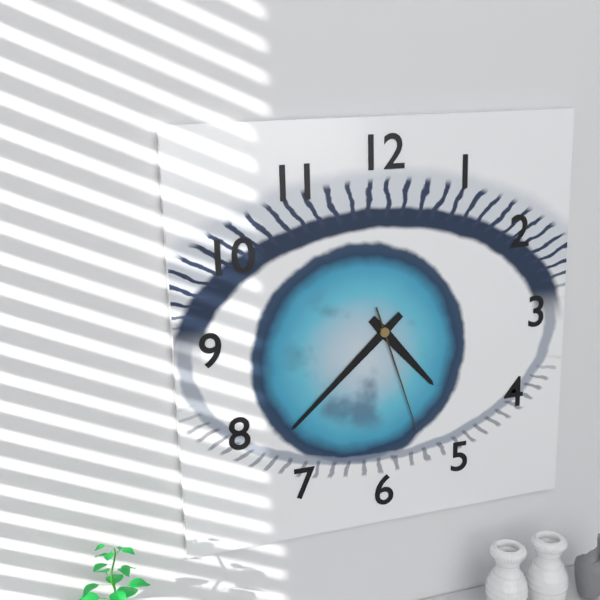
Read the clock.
4:38:27
